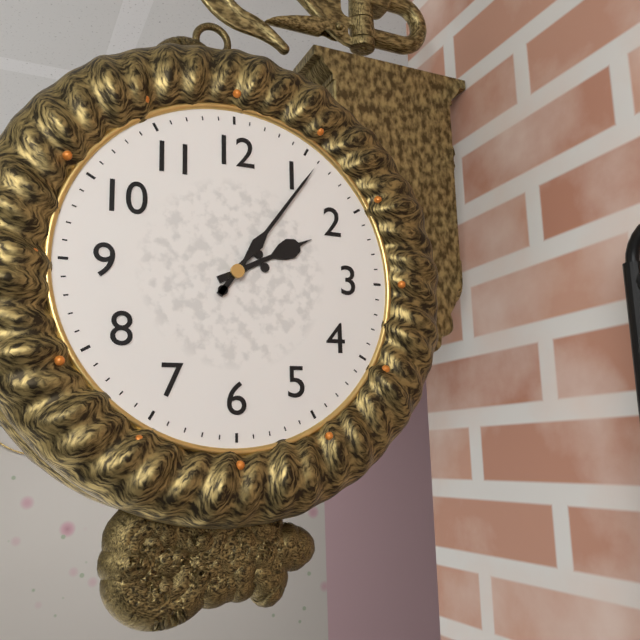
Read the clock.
2:06
